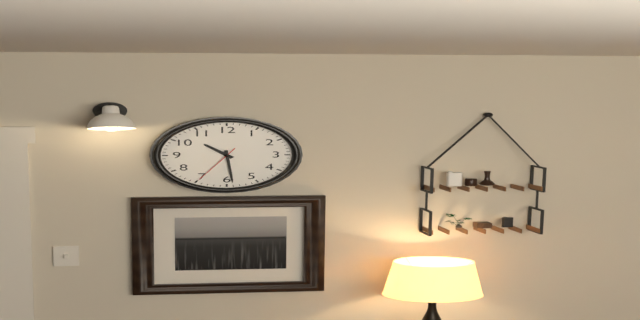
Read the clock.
10:29
